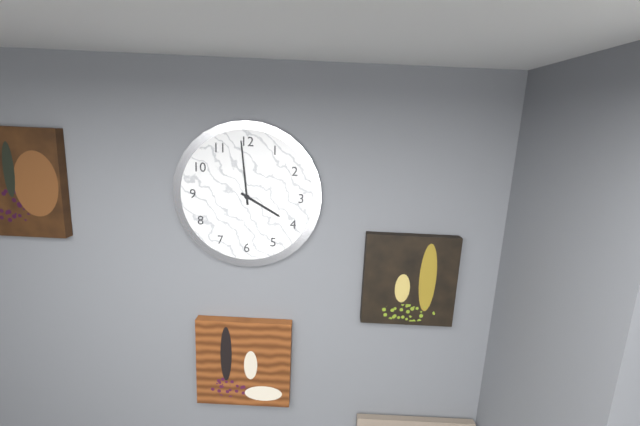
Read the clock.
3:59
